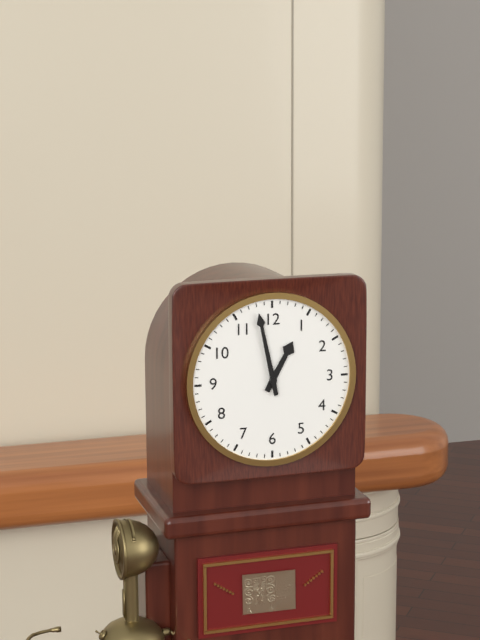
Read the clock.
12:58
